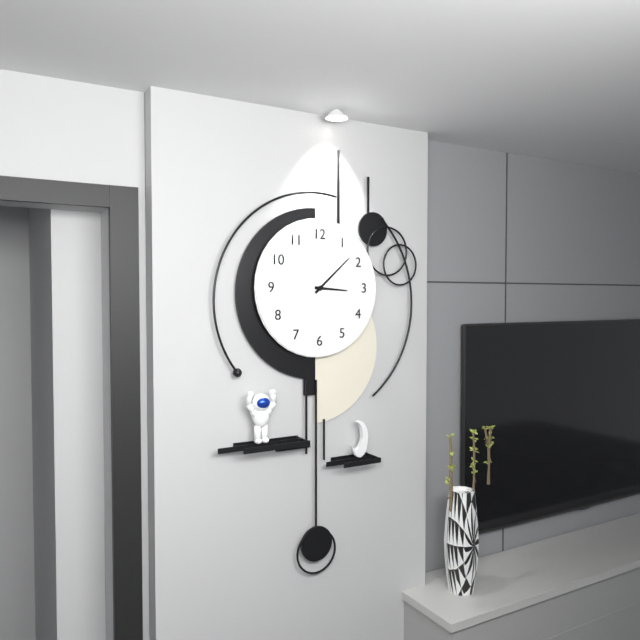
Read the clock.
3:08
